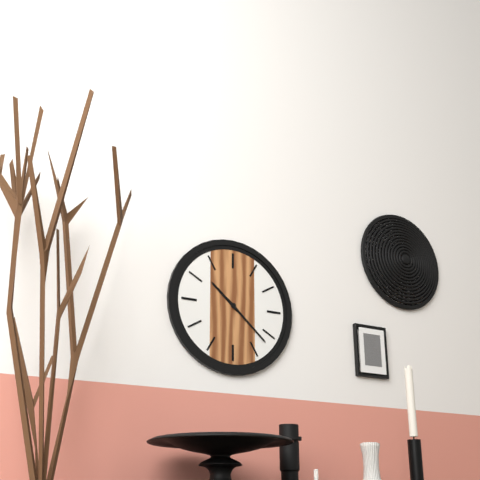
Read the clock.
10:22
